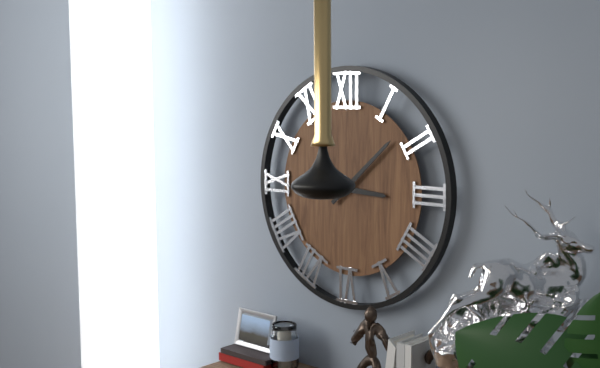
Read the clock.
3:08
